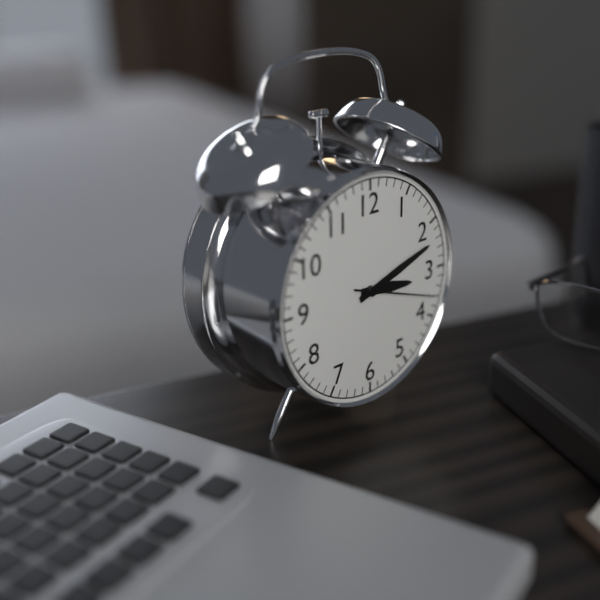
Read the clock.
3:12:18
